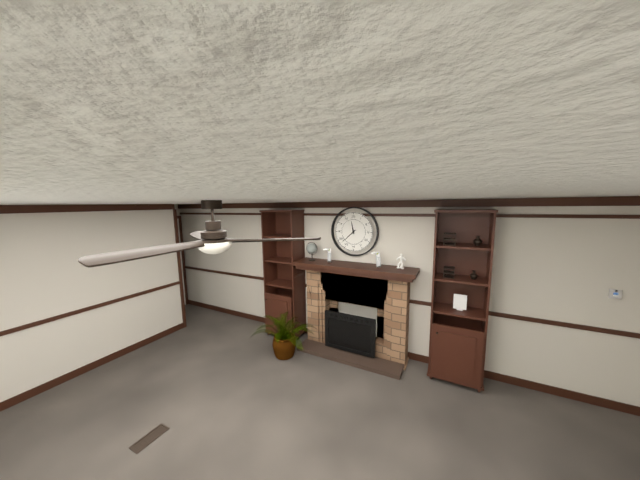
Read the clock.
11:38
